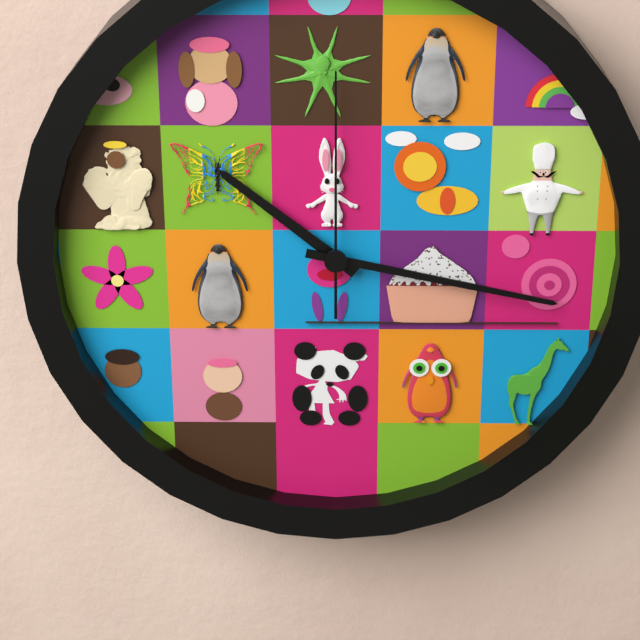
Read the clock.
10:17:00
